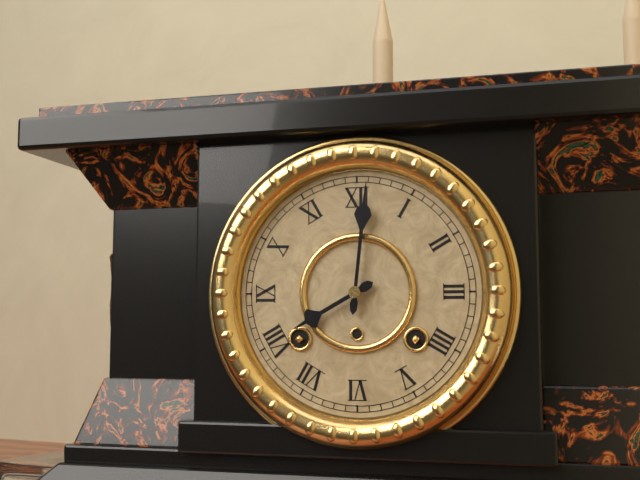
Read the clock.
8:01
